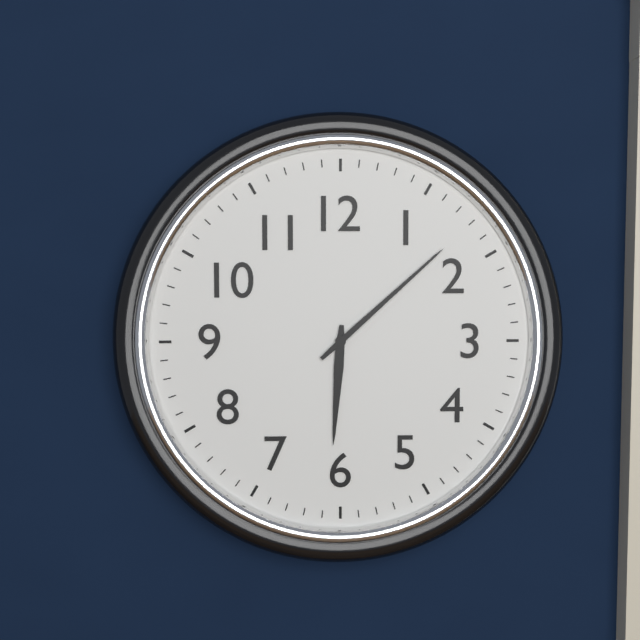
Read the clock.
6:08
